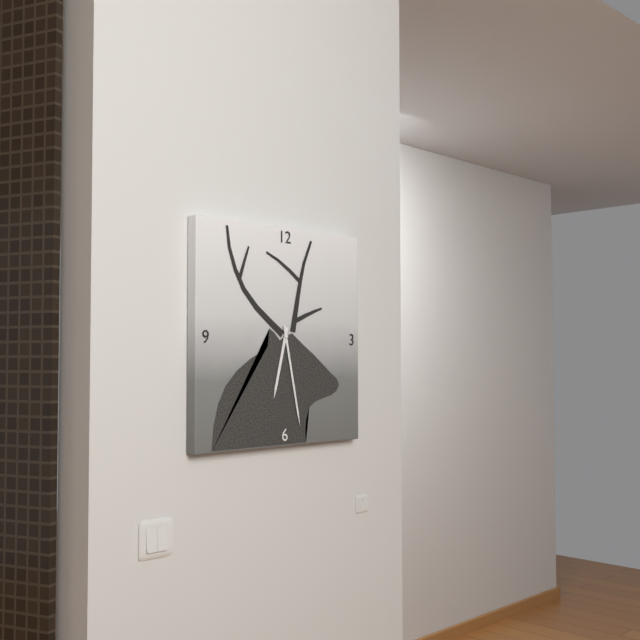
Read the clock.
6:28
